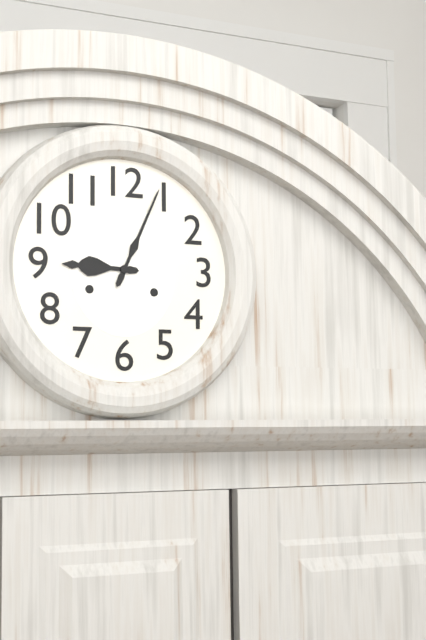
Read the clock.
9:04
